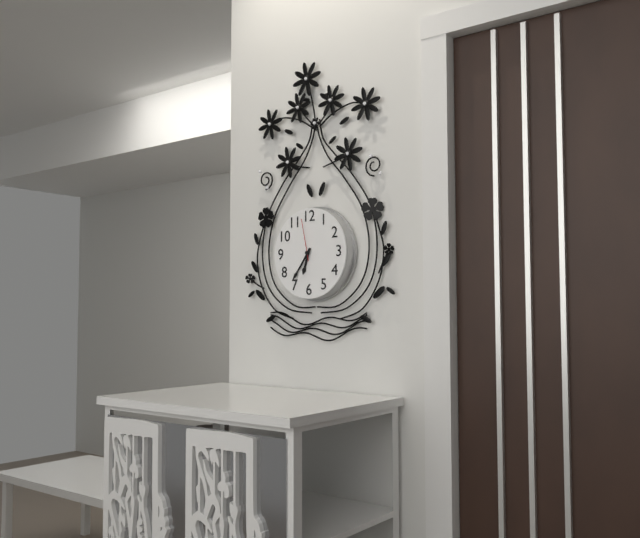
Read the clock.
6:36
